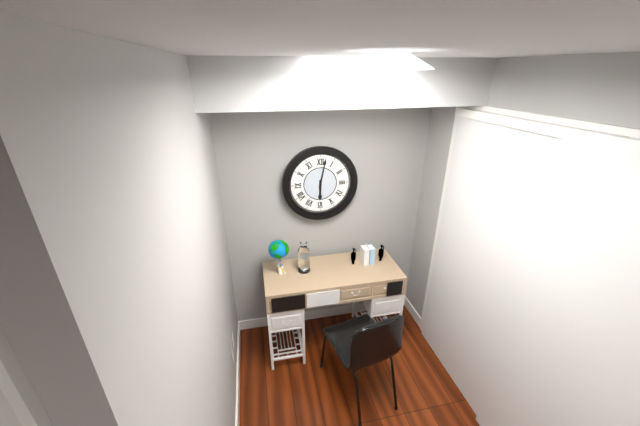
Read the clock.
6:02
